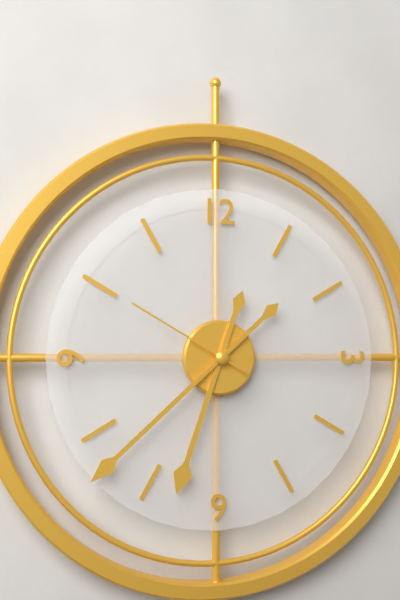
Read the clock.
6:38:50
